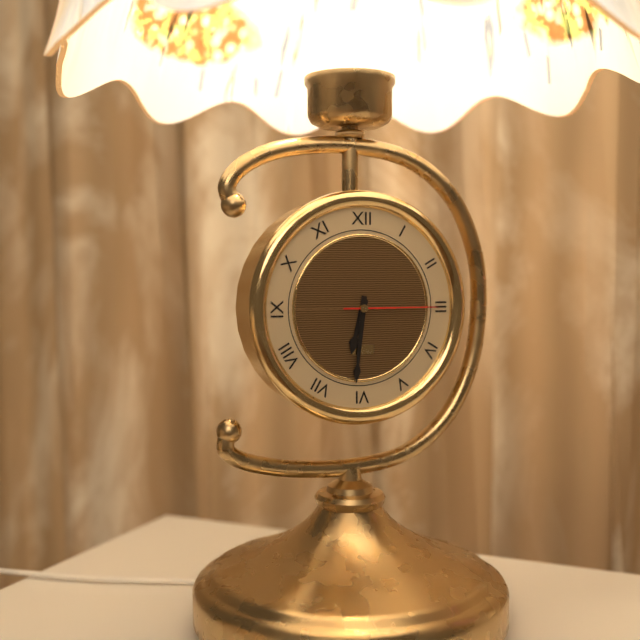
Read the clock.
6:31:15
